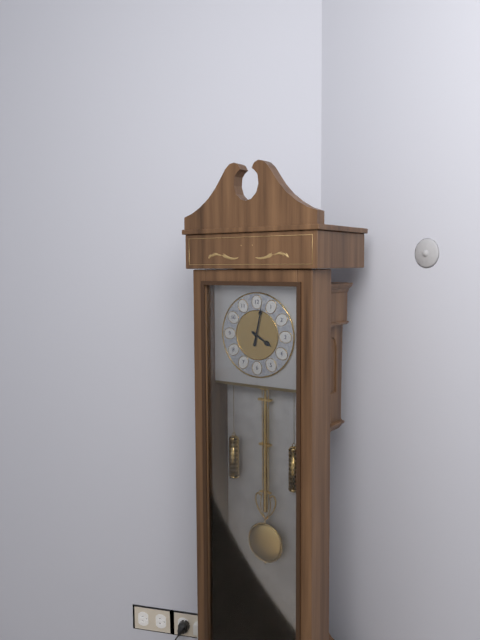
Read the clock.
4:02
